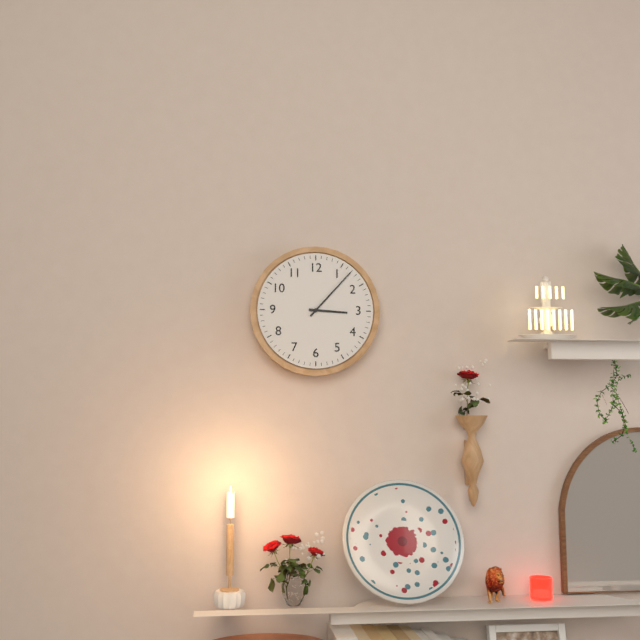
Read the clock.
3:07
